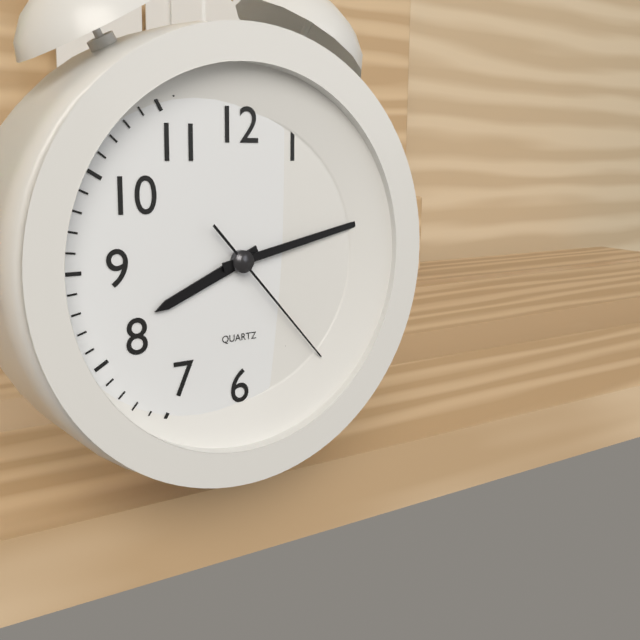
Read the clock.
8:13:23
